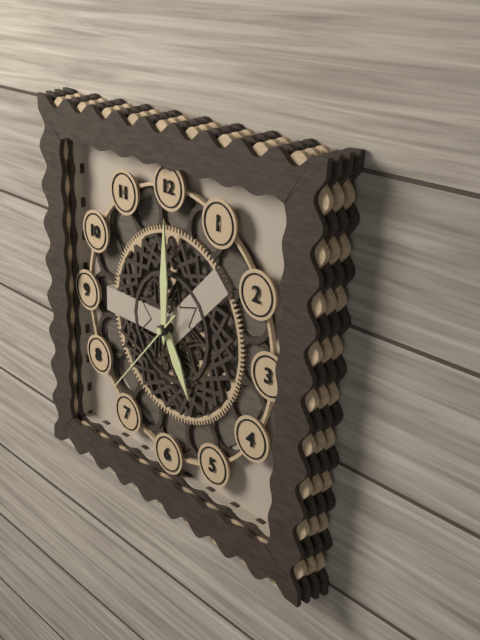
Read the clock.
5:00:37
